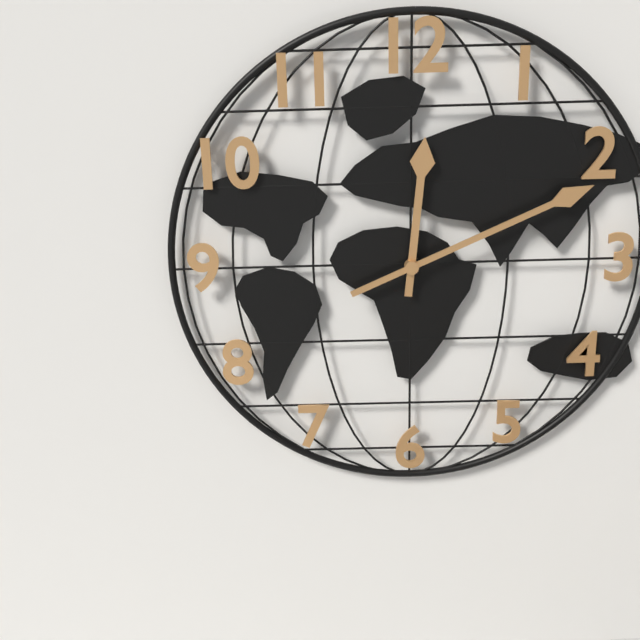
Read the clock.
12:11
